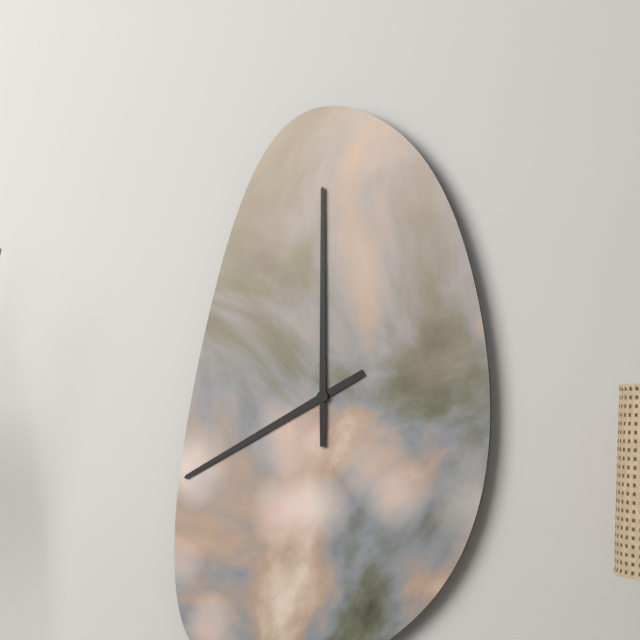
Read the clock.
8:00
